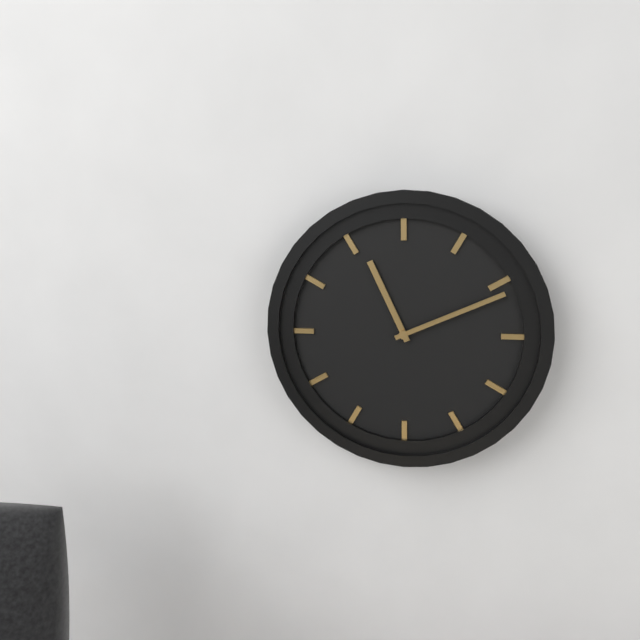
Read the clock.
11:11
